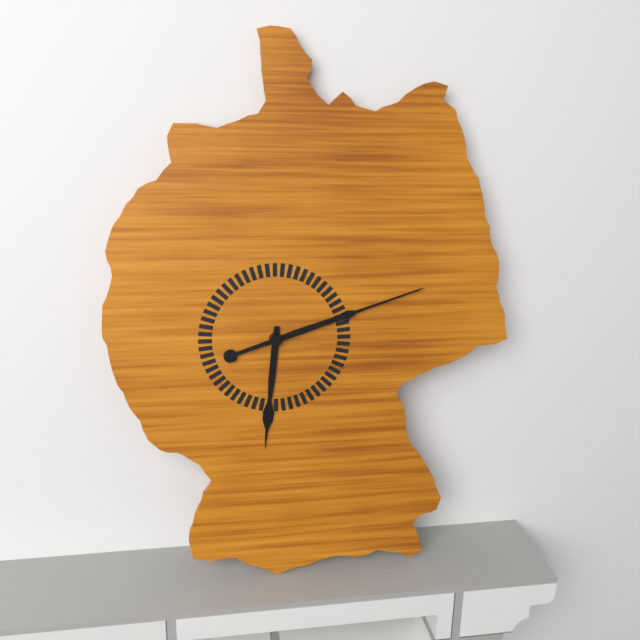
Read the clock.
6:12
